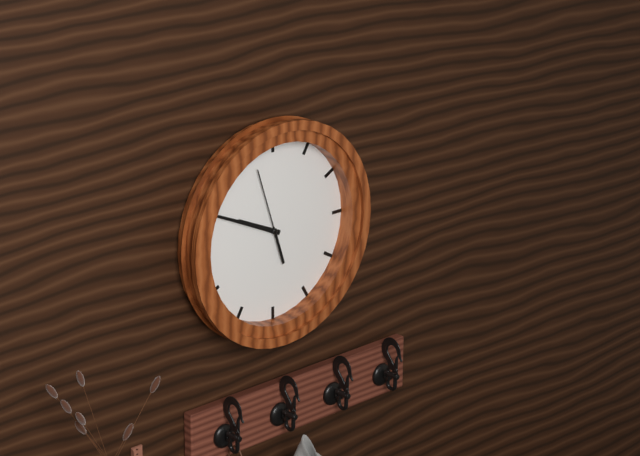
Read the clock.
9:49:57
